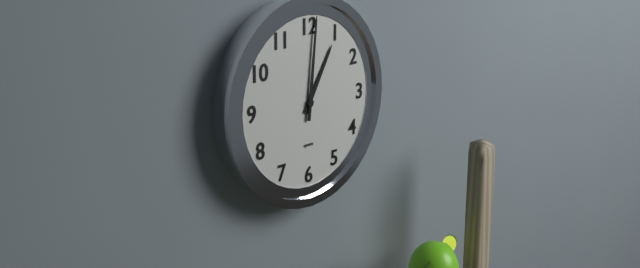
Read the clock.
1:01
